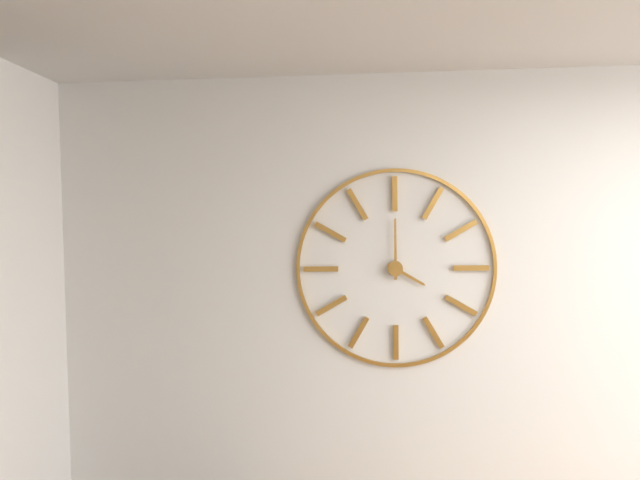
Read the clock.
4:00
